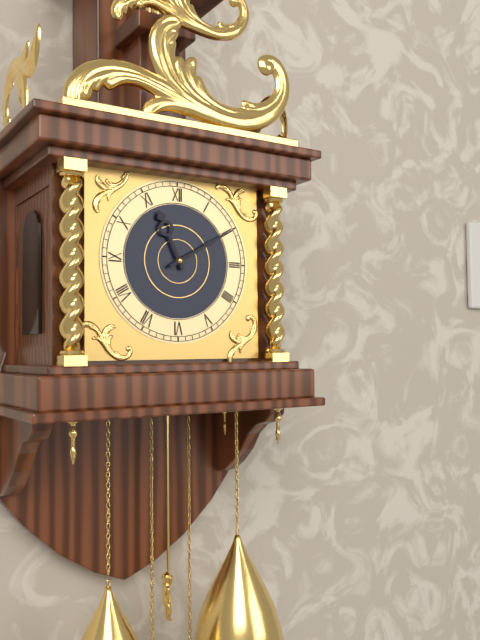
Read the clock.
11:10
